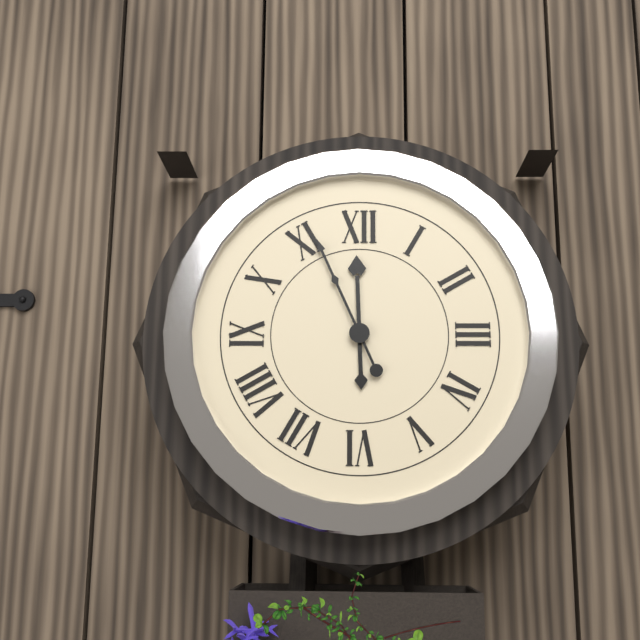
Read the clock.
11:56
